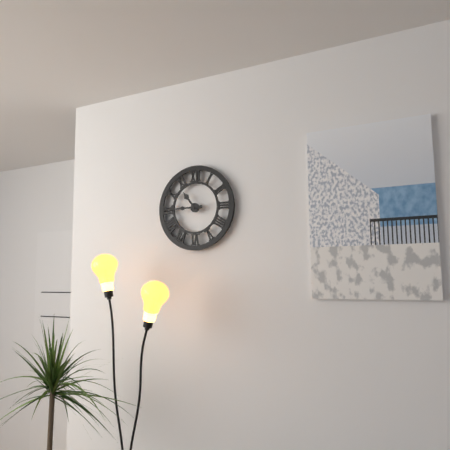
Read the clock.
10:45
